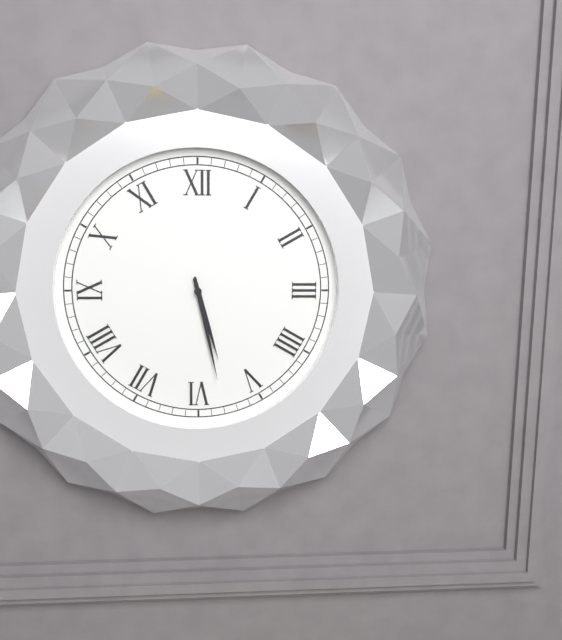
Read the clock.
5:28
